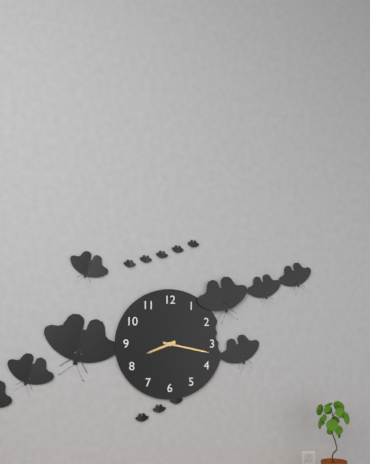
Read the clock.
8:17
